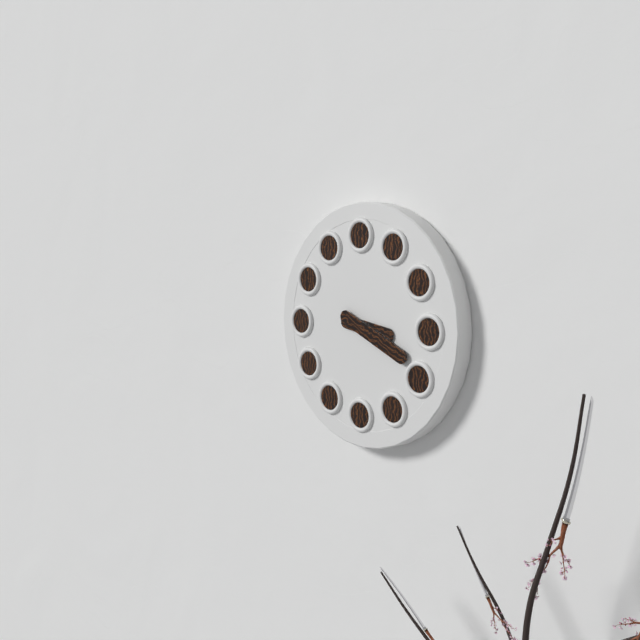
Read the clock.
3:19
